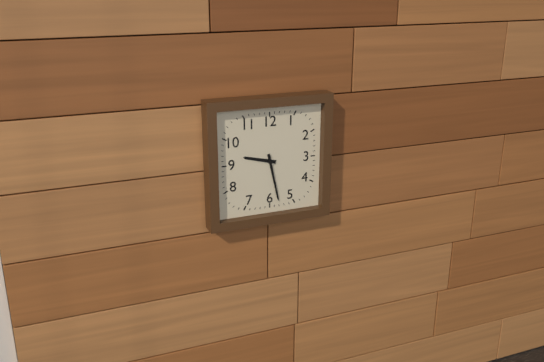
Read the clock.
9:28
